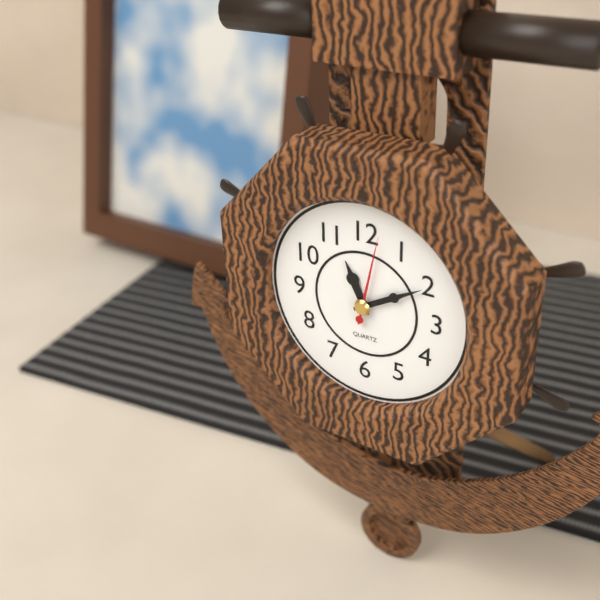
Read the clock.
11:10:02
